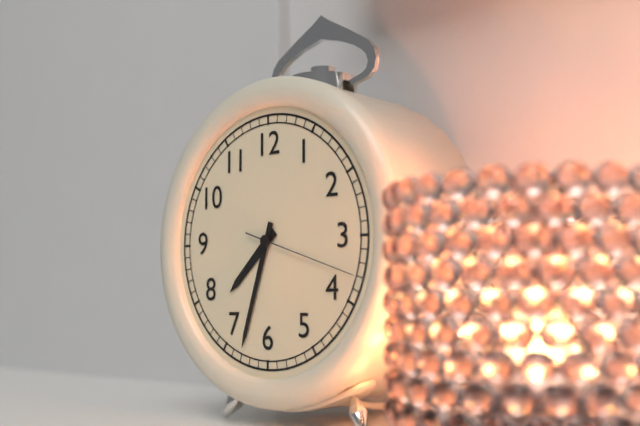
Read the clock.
7:33:18
